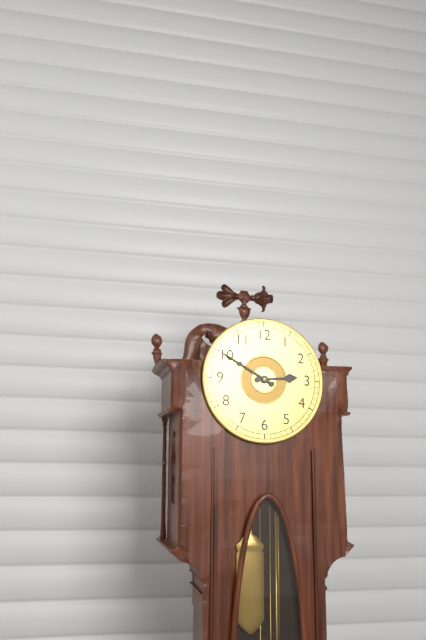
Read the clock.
2:50
